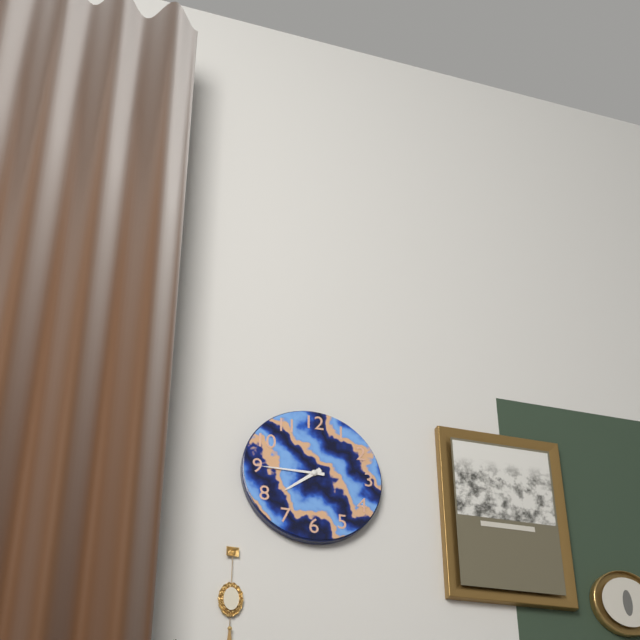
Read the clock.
7:45
